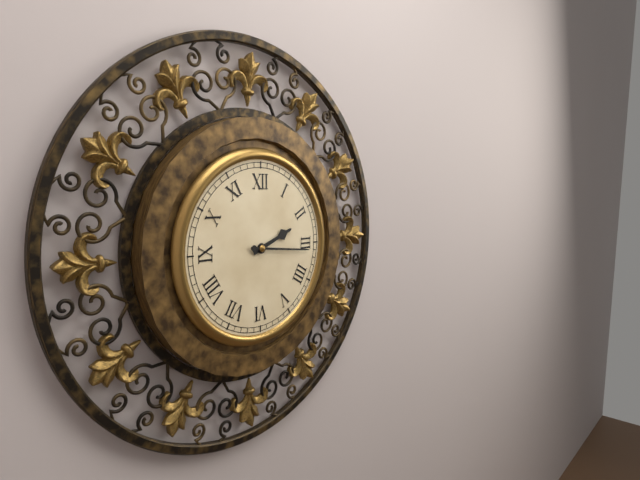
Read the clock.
2:16
